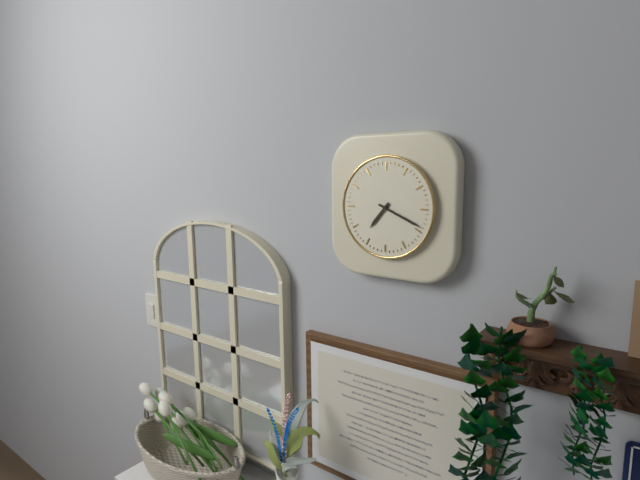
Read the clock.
7:19
